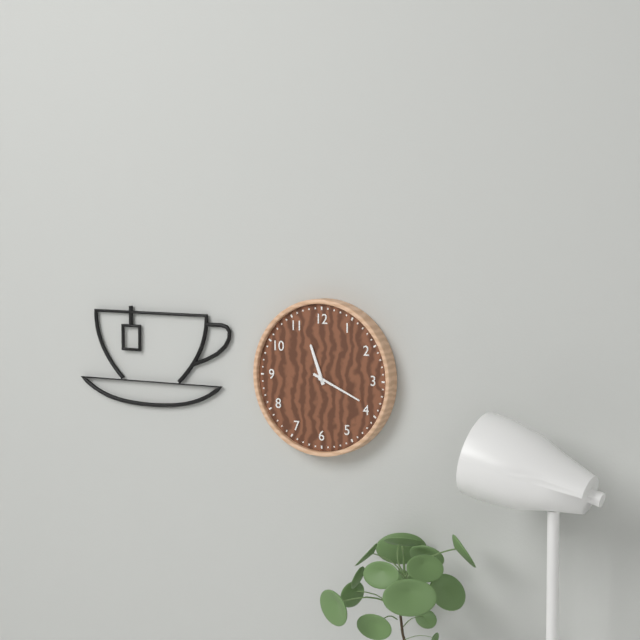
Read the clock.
11:19
